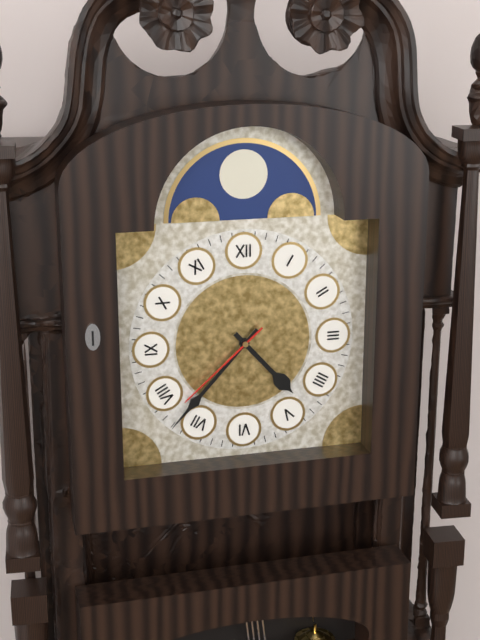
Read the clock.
4:37:38
